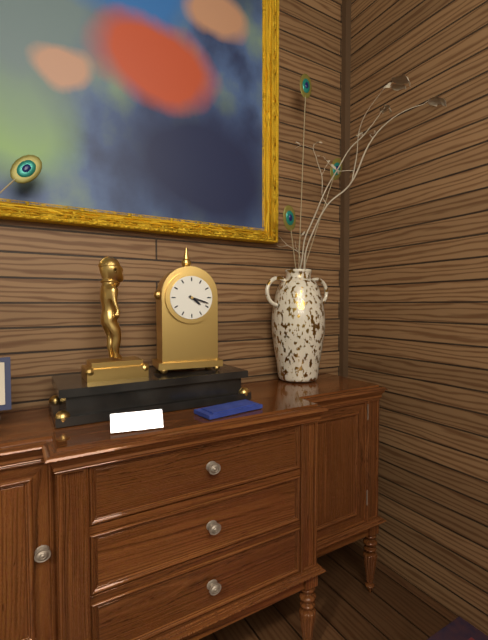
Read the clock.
4:18
